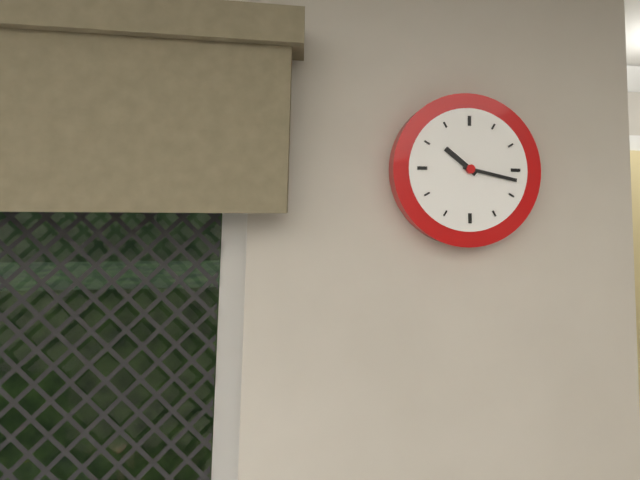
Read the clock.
10:17
